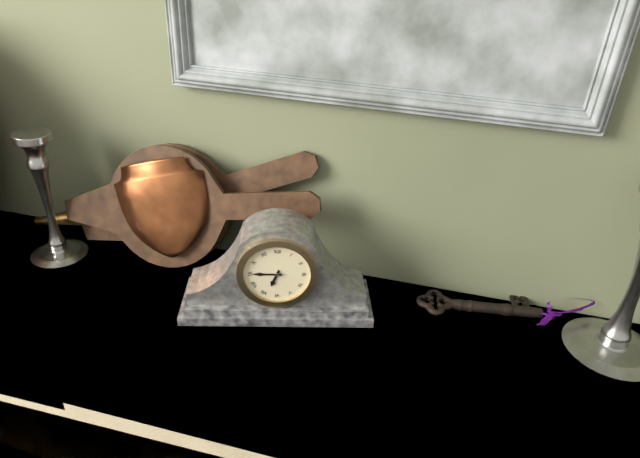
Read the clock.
6:45
